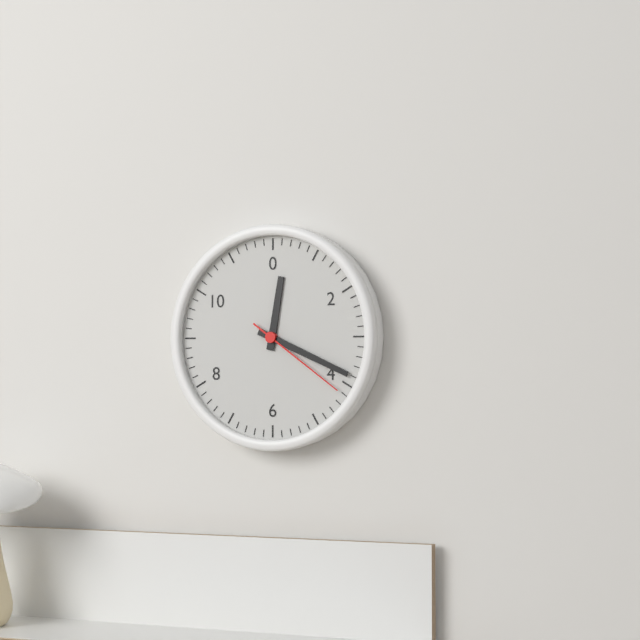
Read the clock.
12:19:21
